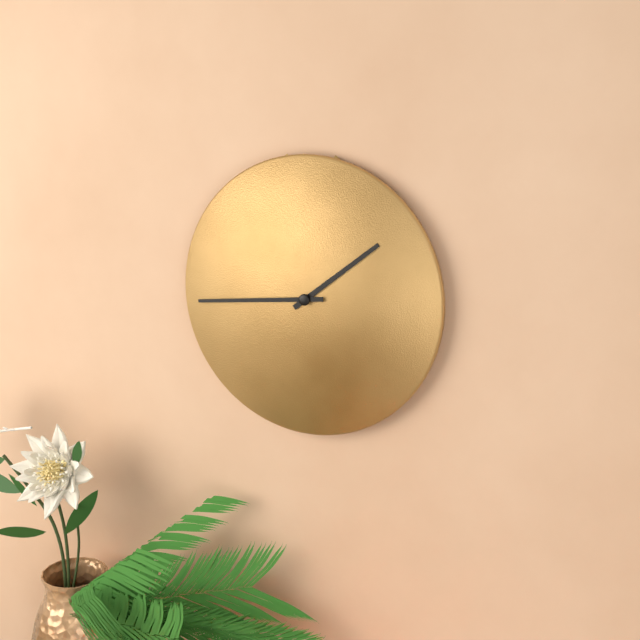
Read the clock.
1:44
